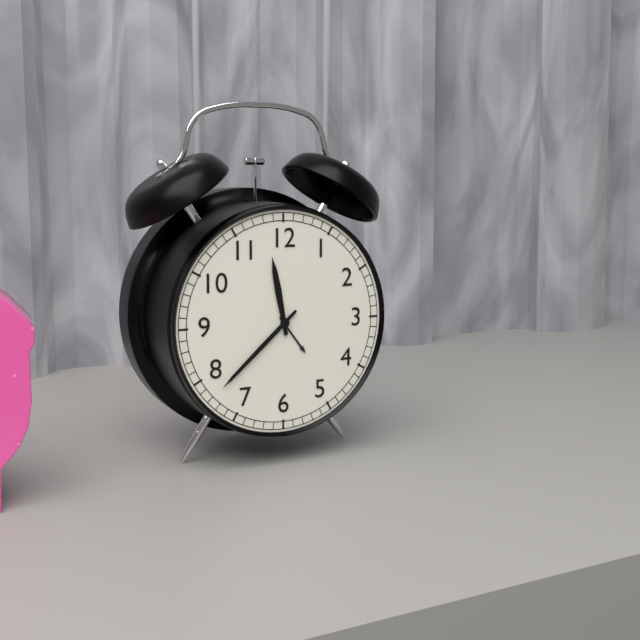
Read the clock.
11:38
